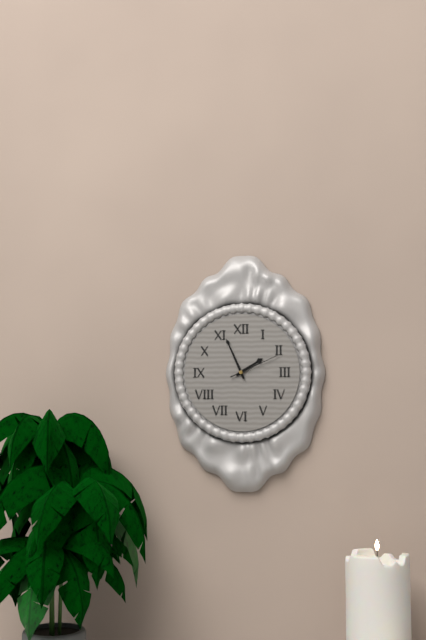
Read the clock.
1:56:11
